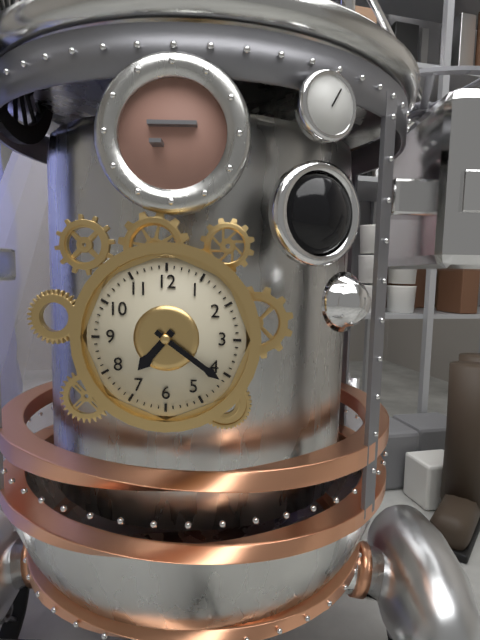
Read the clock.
7:21
